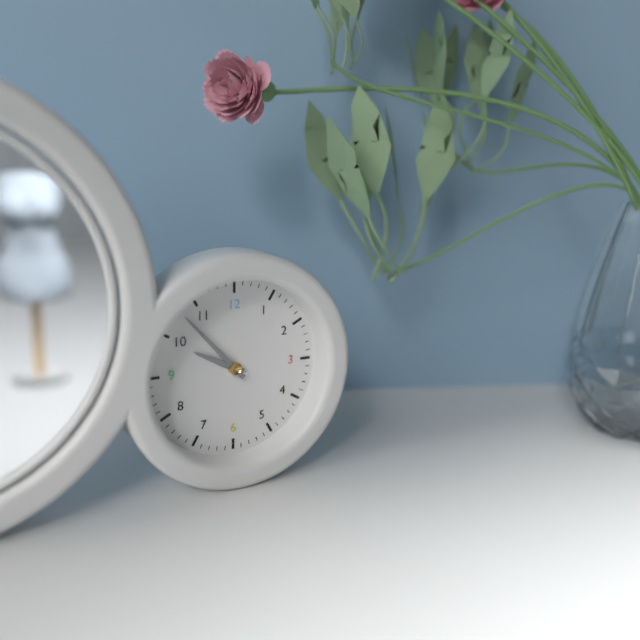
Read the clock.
9:53
